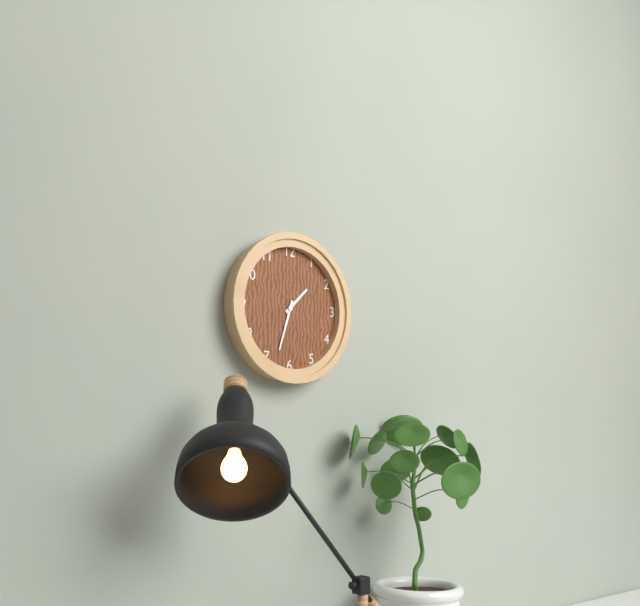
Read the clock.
1:33
